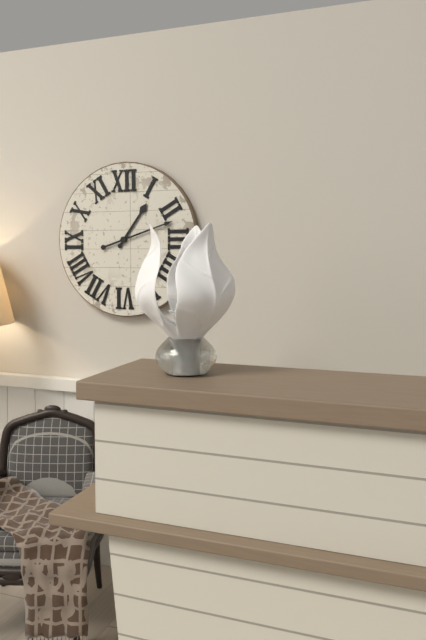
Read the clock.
1:12
